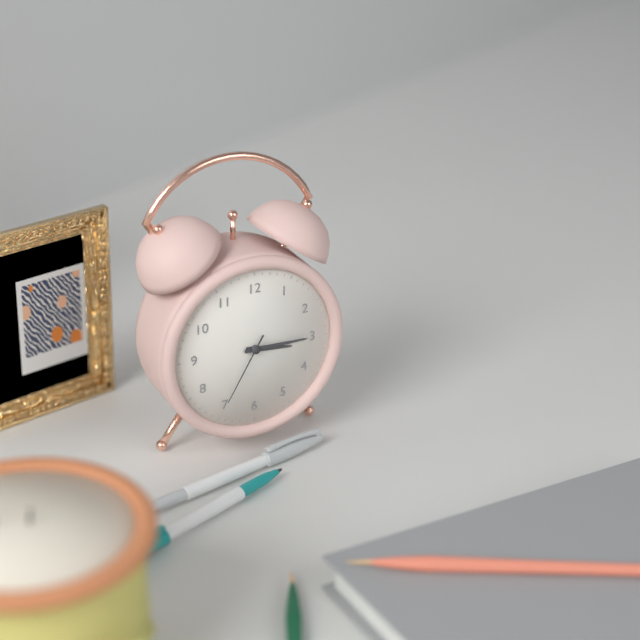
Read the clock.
3:15:35
